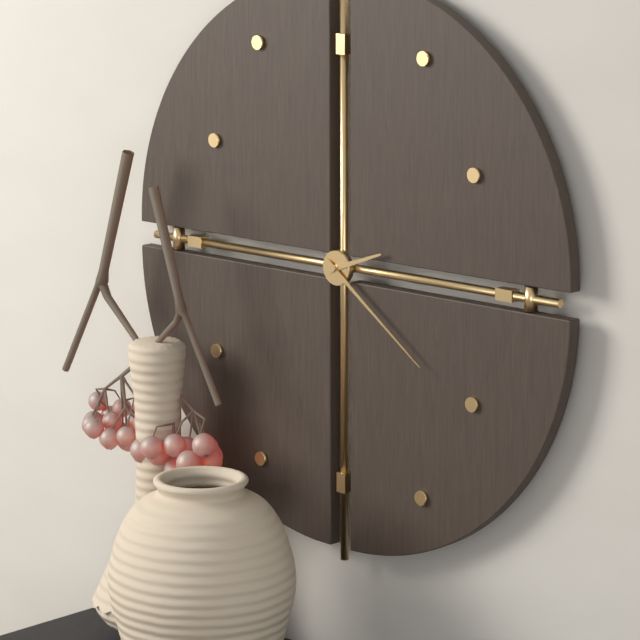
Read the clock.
2:21
